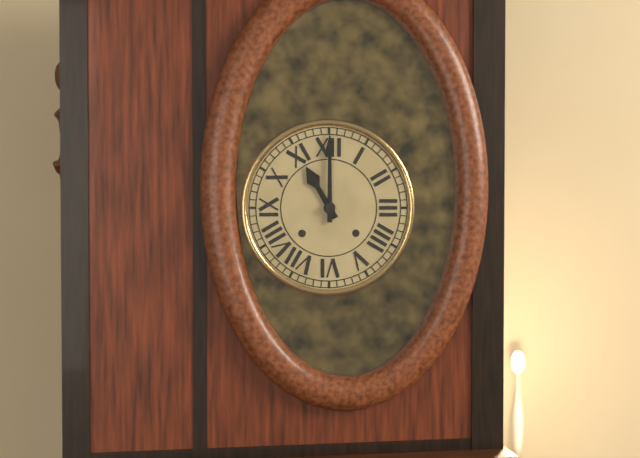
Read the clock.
11:00
